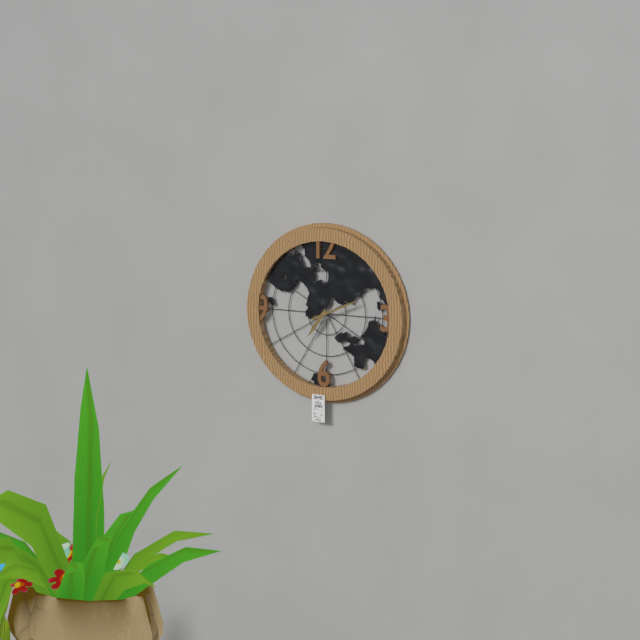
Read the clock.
7:11
